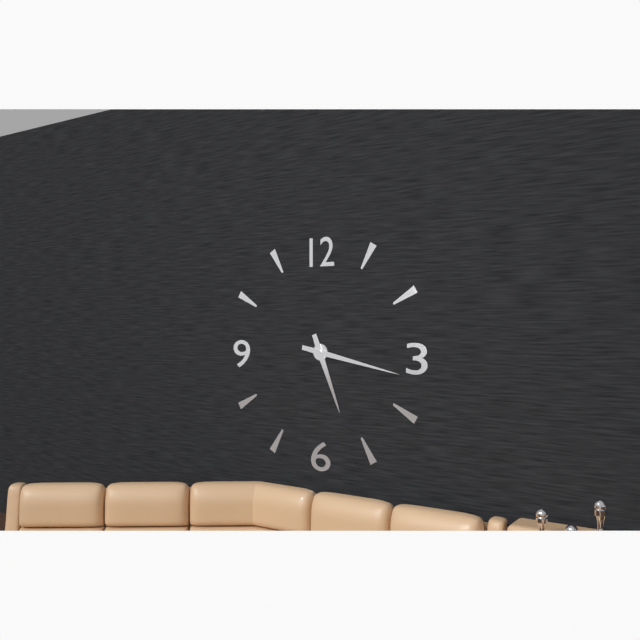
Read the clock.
5:17
